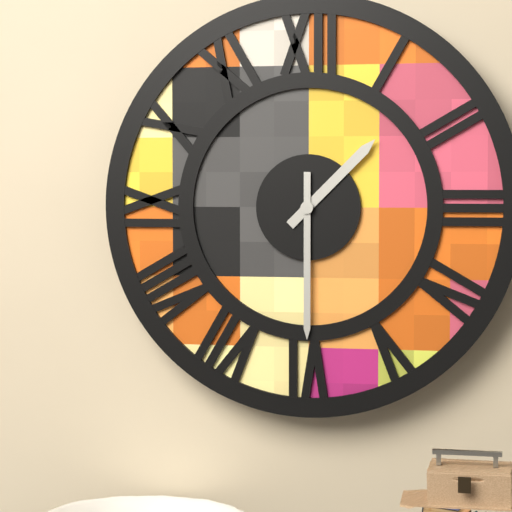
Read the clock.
1:30
